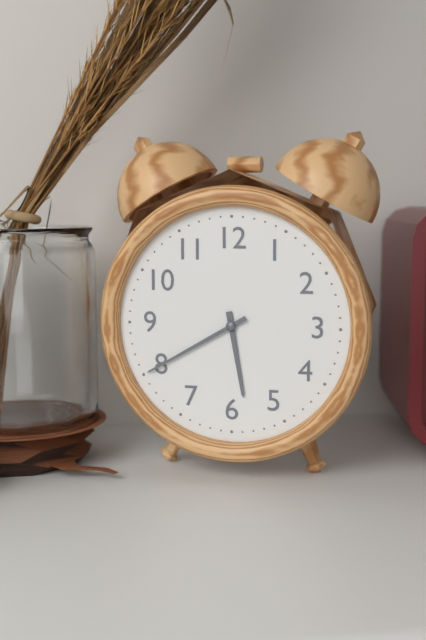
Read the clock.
5:40
